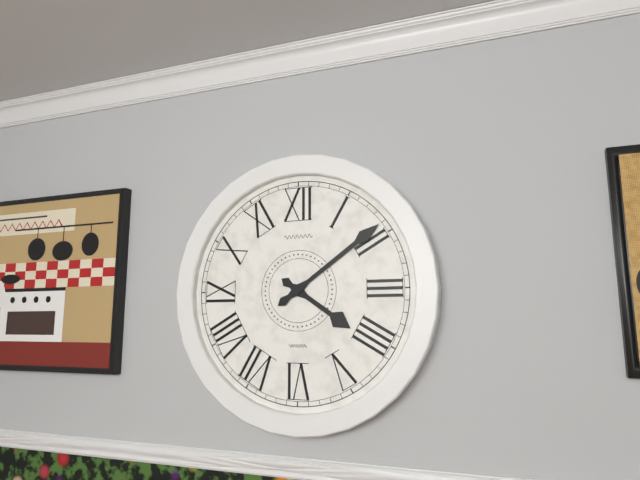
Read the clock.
4:09
